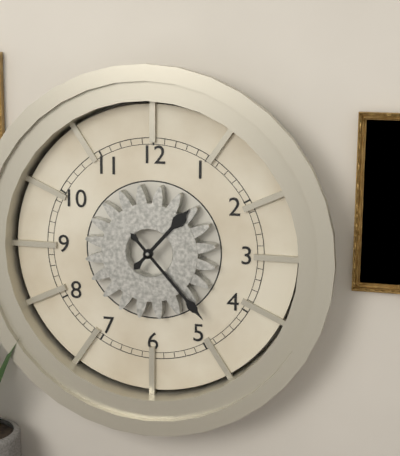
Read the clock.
1:23
